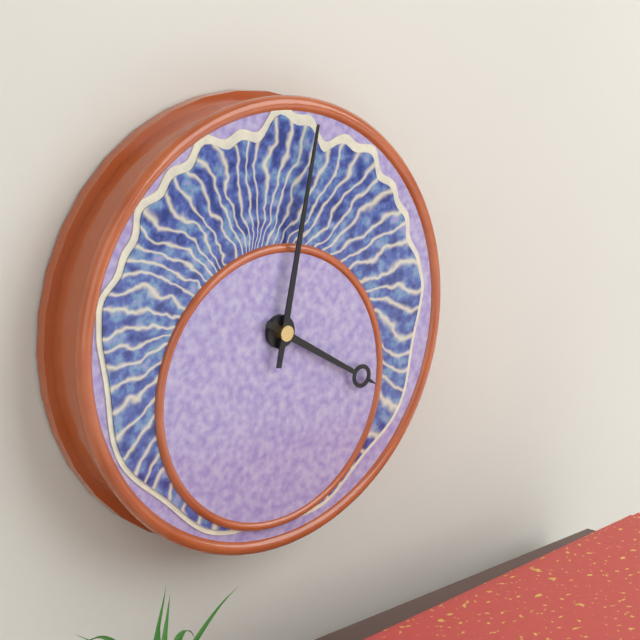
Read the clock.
4:02
